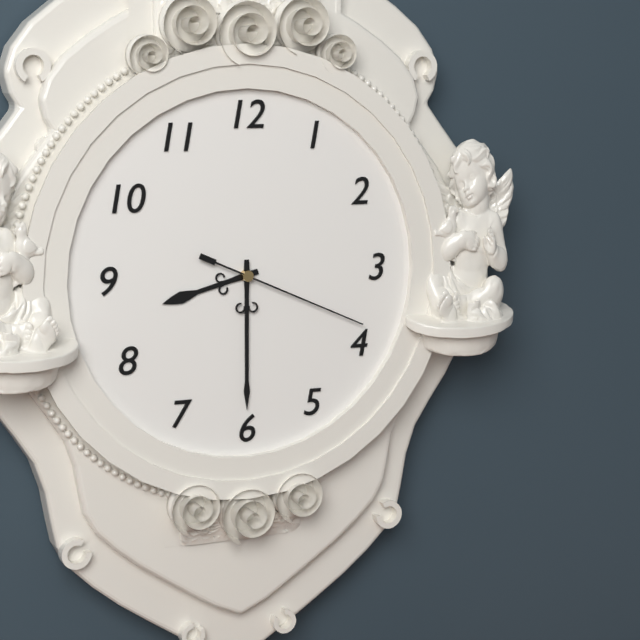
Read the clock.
8:30:19
